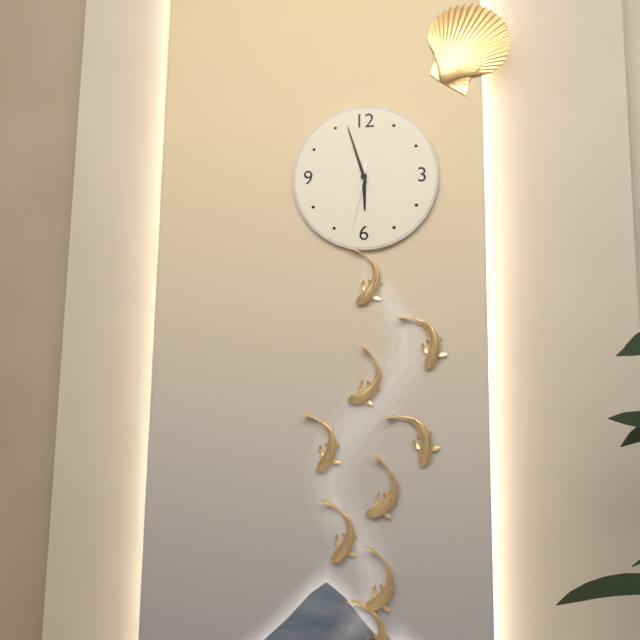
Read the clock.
5:57:32
